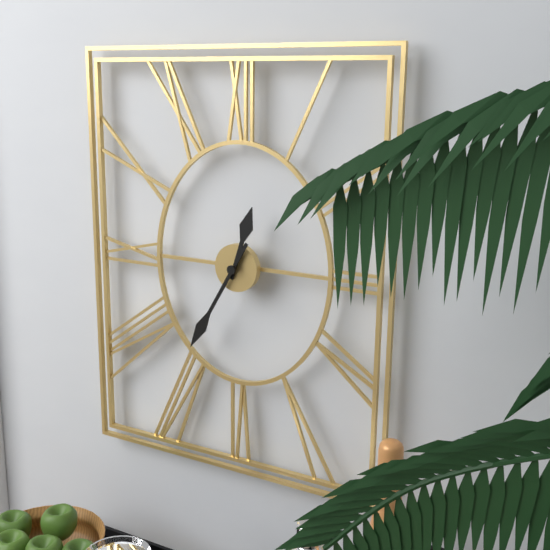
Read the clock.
12:35
